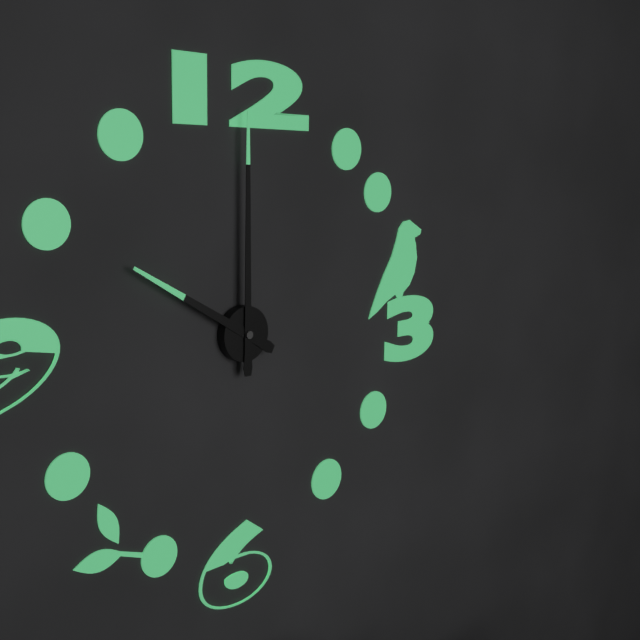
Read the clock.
10:00
